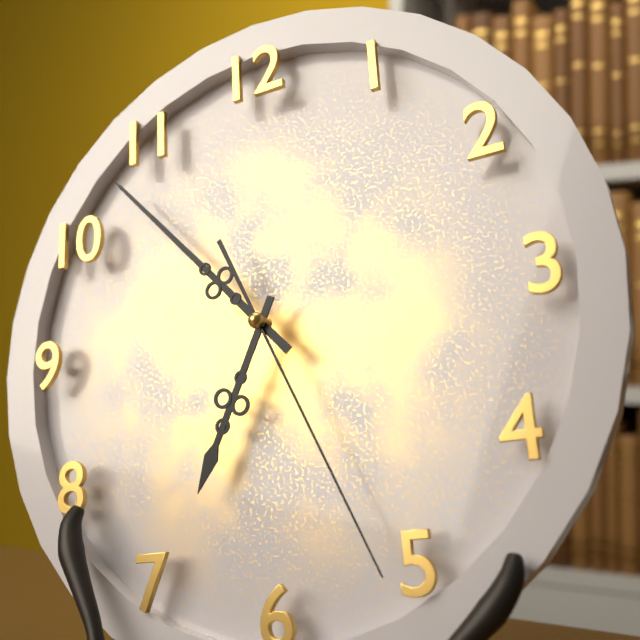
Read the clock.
6:53:26
